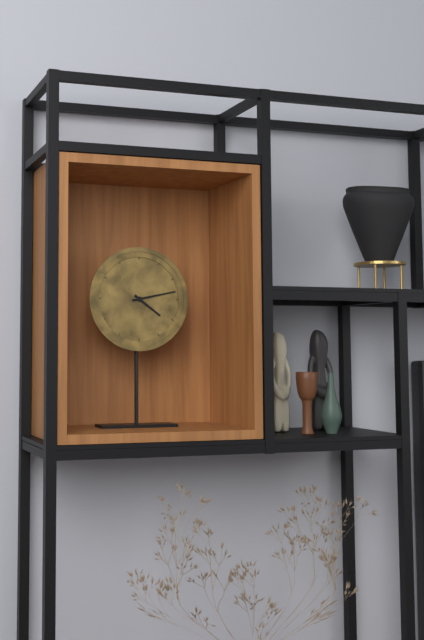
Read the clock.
4:13
